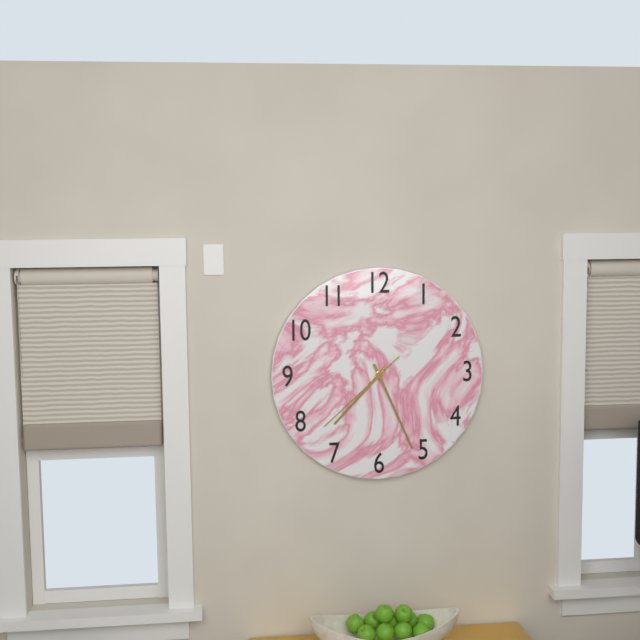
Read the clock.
7:26:38
